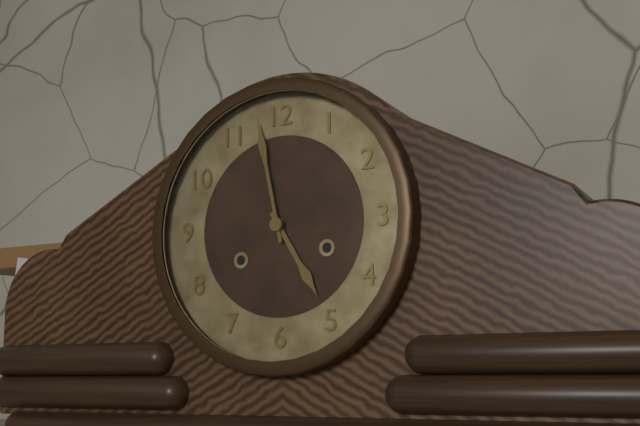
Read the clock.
4:58
